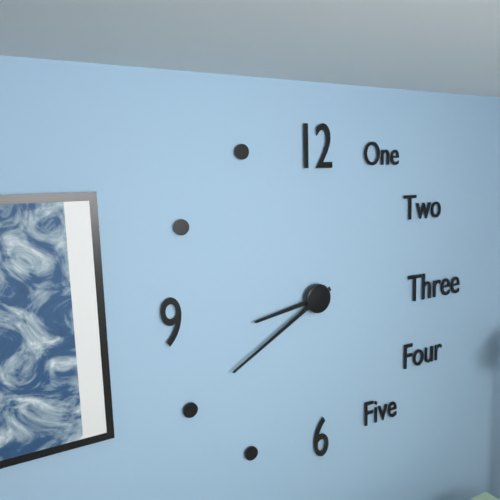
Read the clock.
8:40
